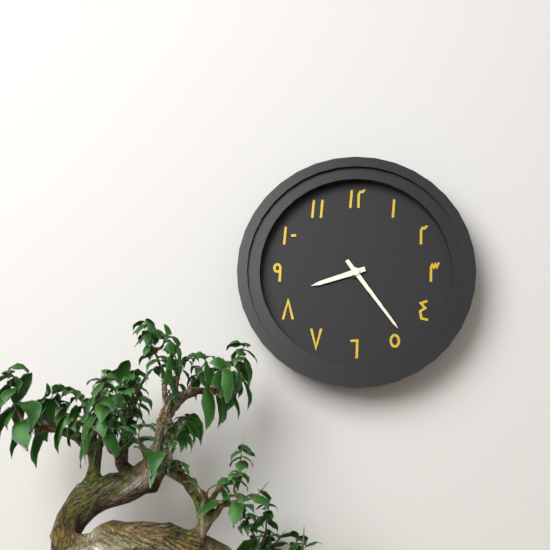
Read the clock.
8:24
